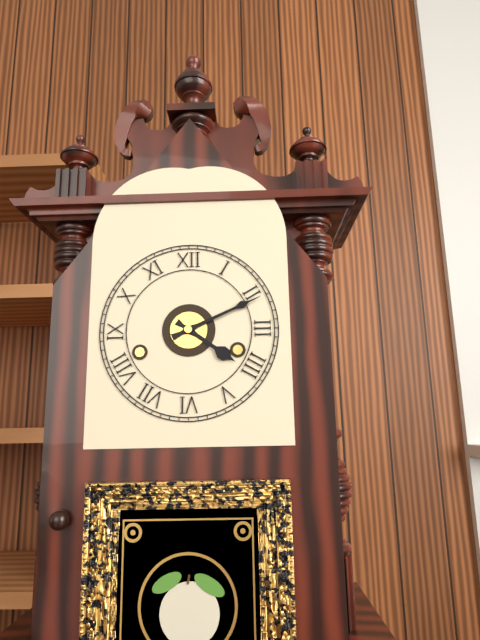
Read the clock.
4:11
